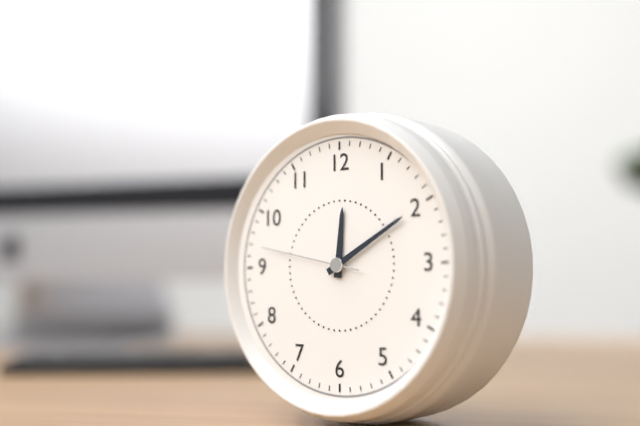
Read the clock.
12:10:47
